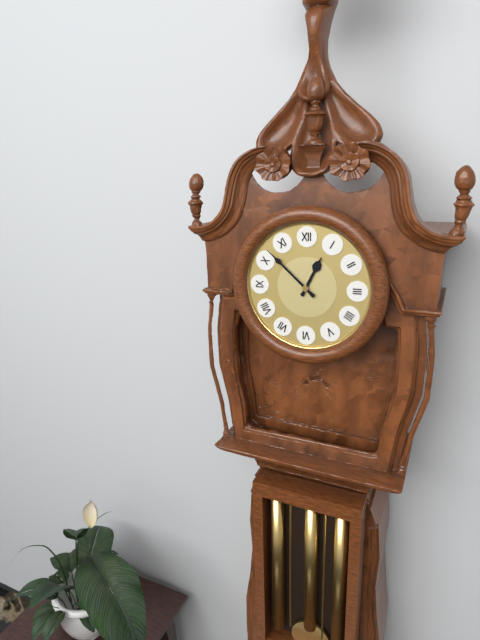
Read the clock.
12:52
